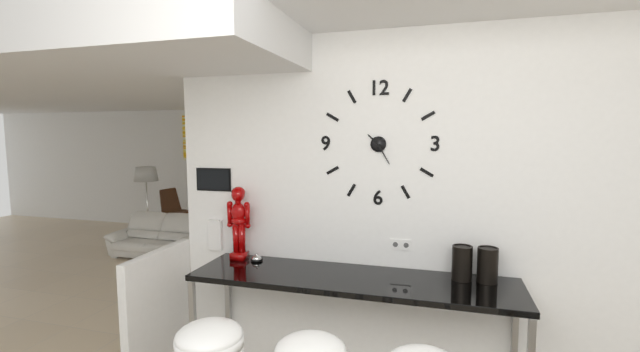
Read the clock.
10:25
